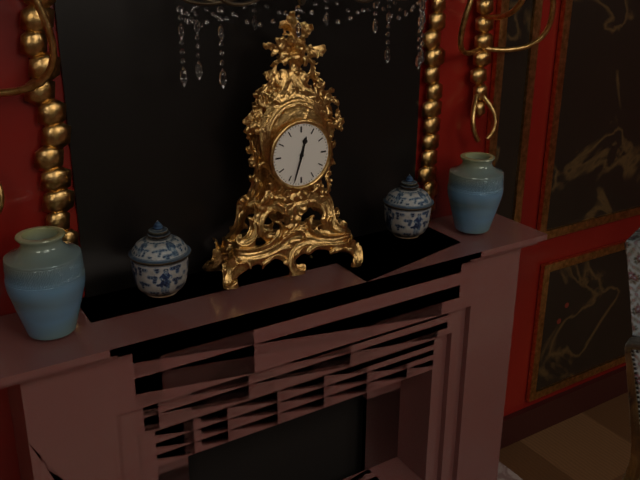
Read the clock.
12:33
